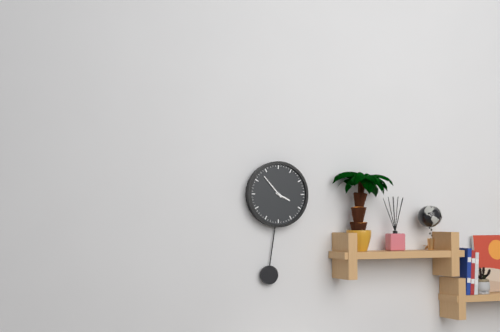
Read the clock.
3:53
